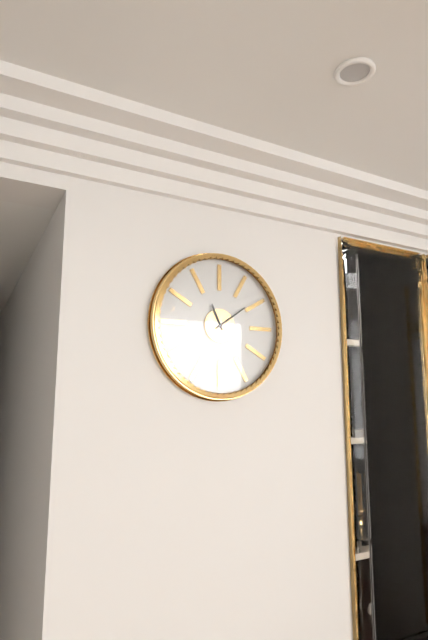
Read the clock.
11:09
